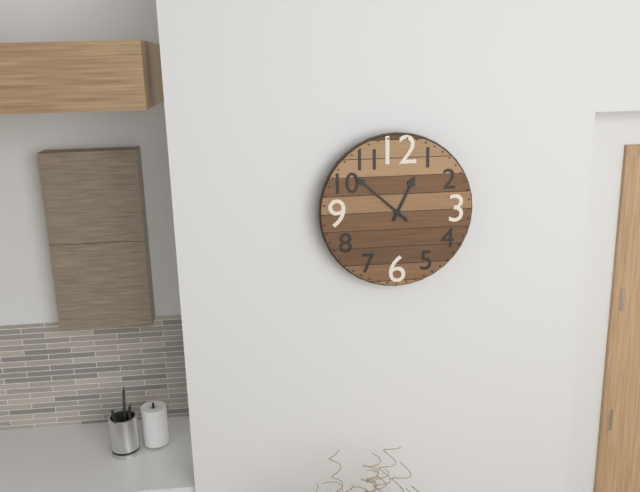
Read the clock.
12:52
